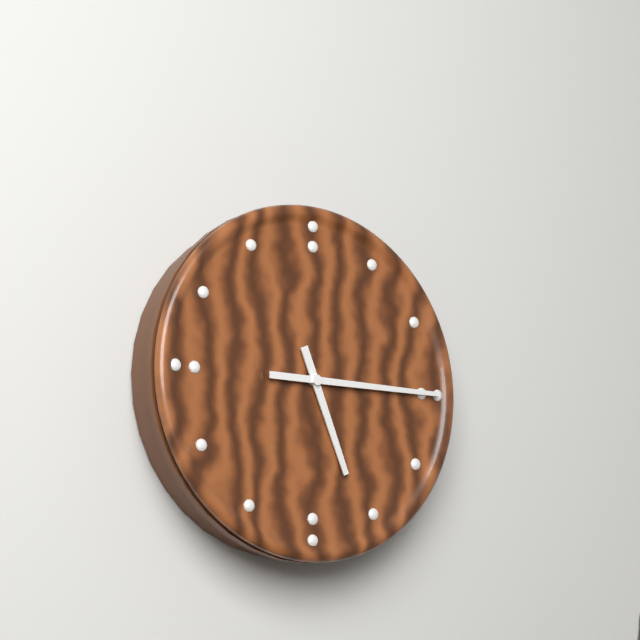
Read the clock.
5:15
